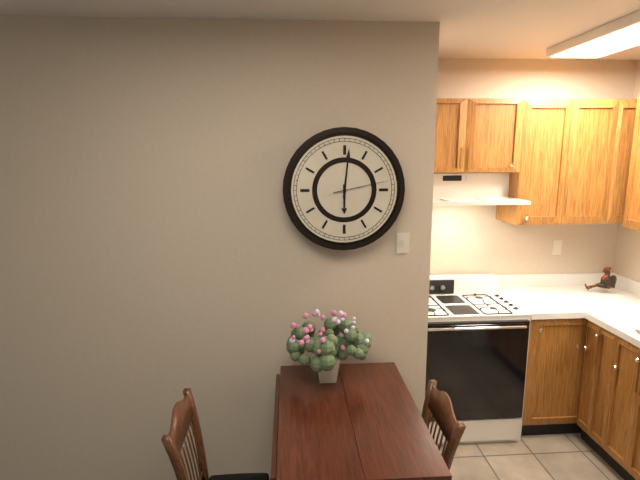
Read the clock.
6:01:13
